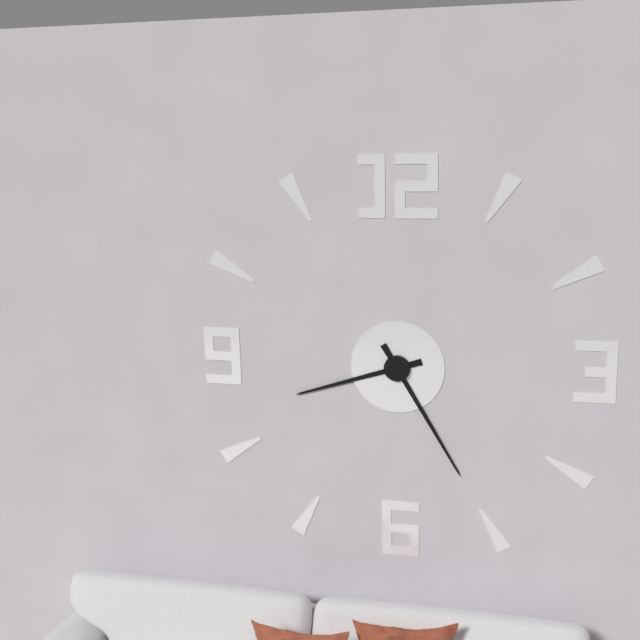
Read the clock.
8:25
